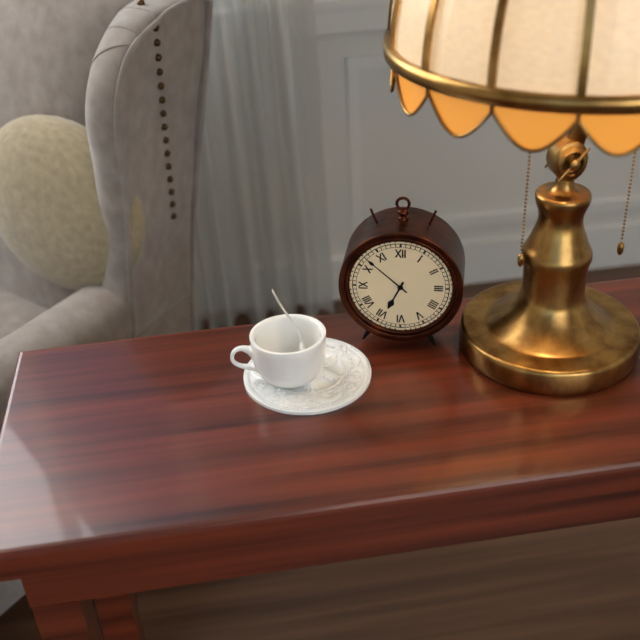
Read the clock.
6:52
